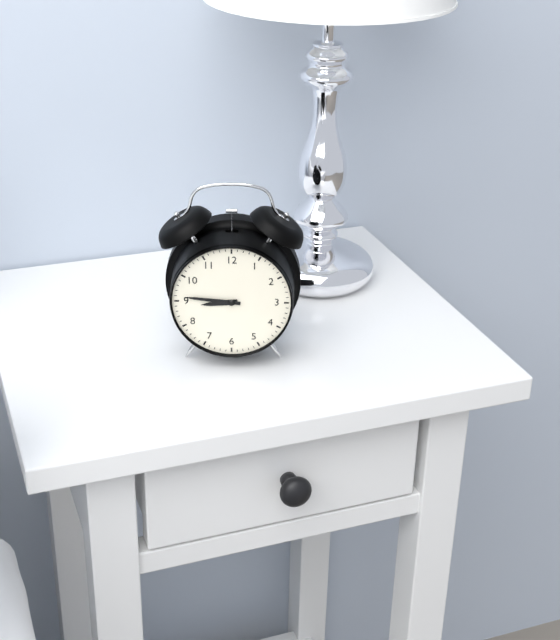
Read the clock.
8:46
